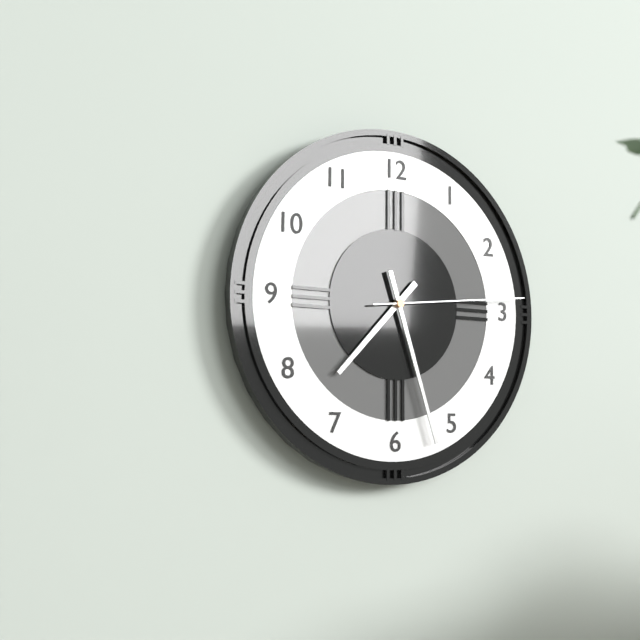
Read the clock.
7:27:14
